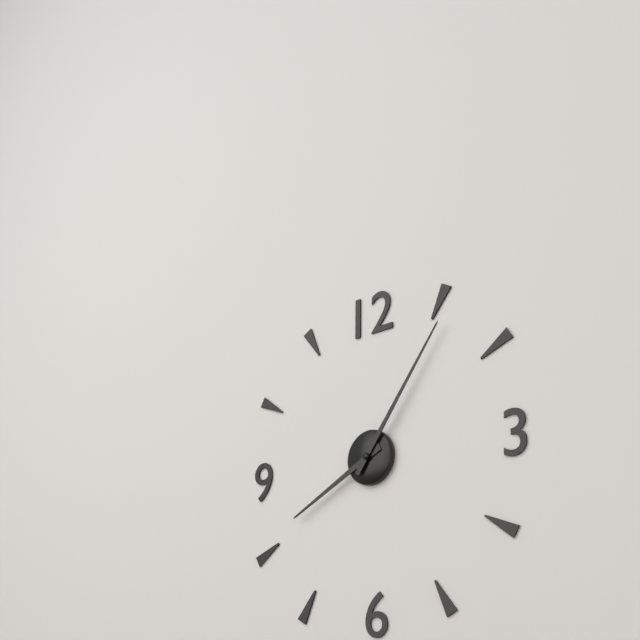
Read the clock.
8:06
